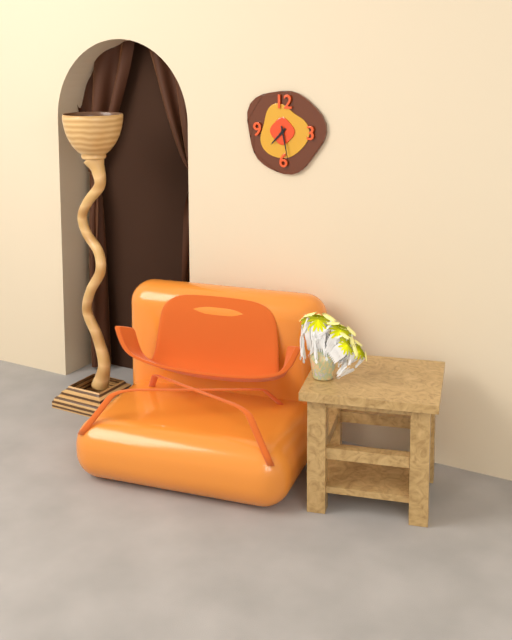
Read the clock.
7:28
